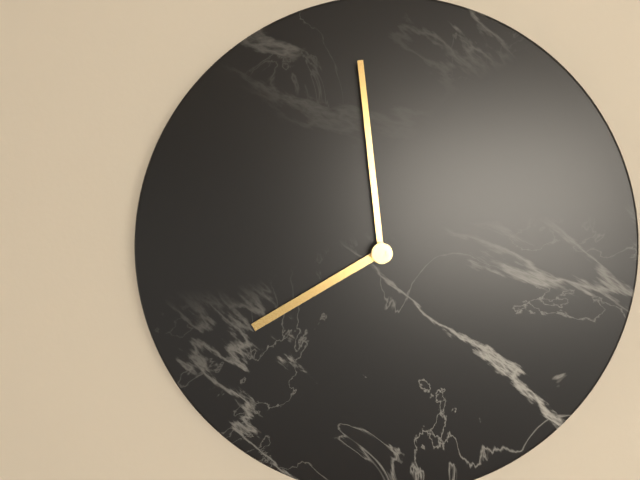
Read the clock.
7:59
